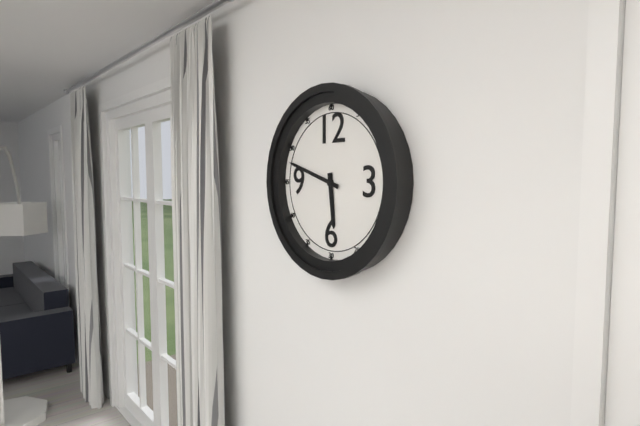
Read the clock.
5:48
